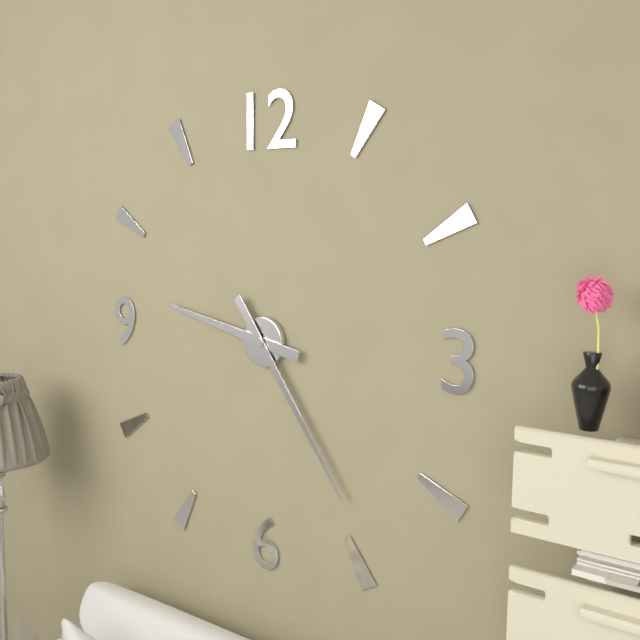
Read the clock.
9:24
